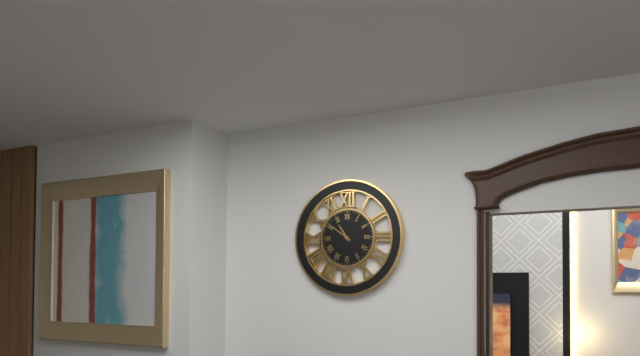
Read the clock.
10:51
